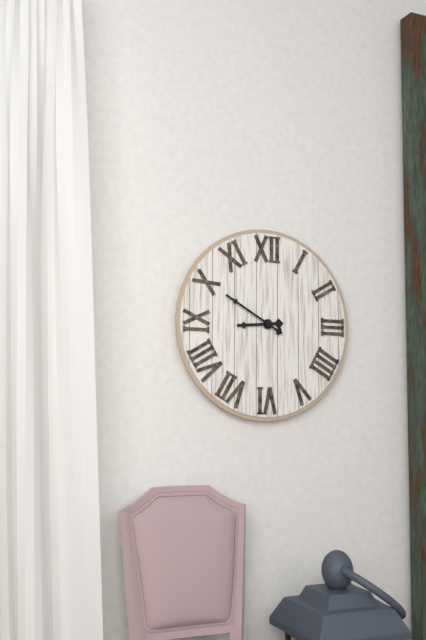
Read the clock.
8:50
